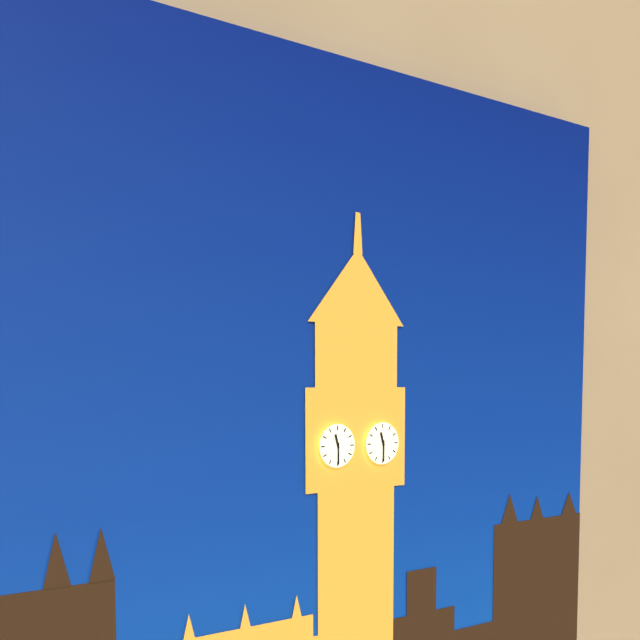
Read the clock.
11:30
